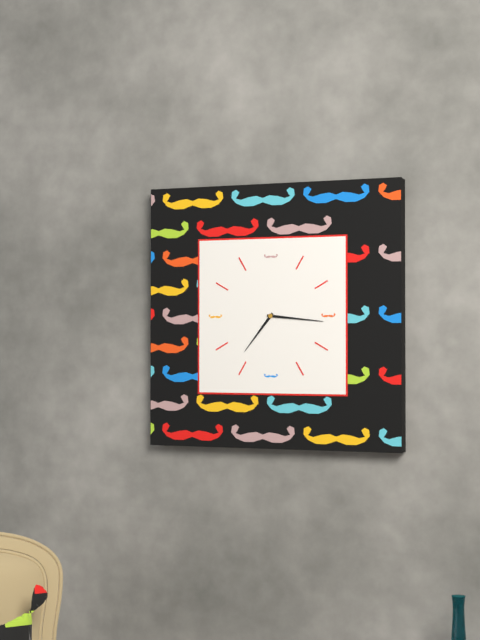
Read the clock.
7:16
